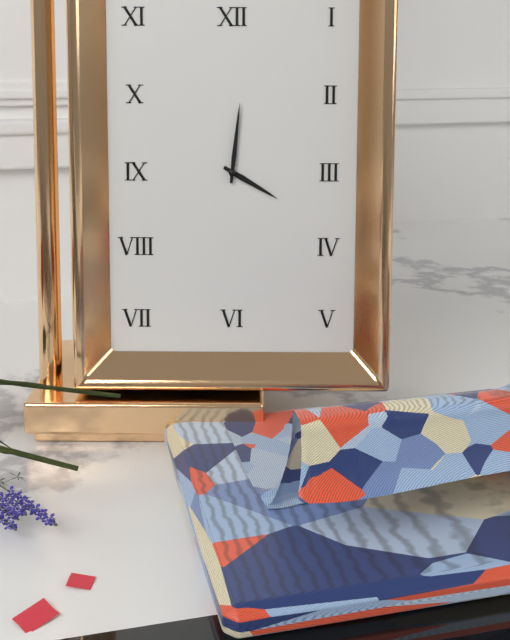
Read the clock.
4:01
